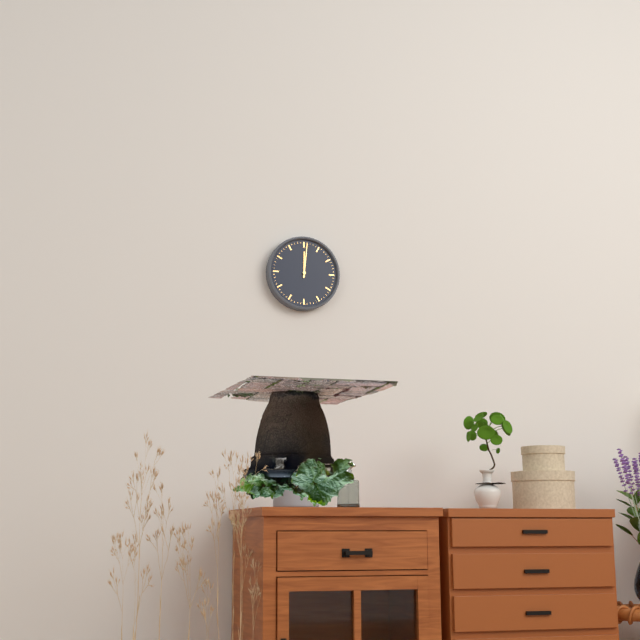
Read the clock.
12:01
